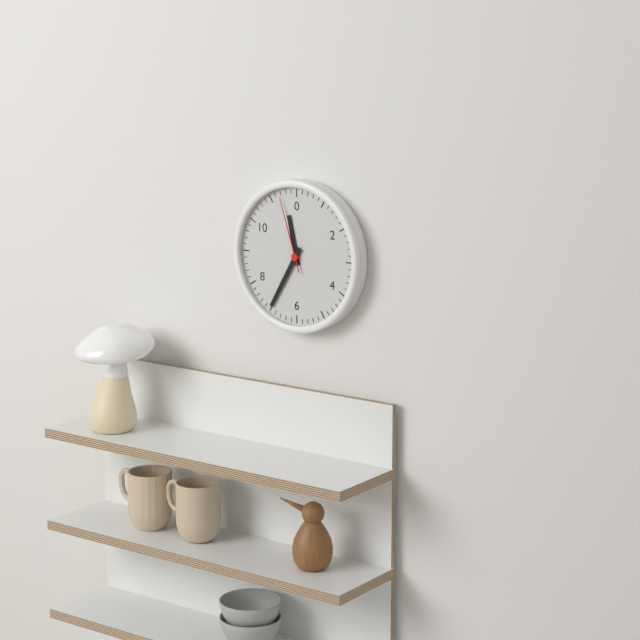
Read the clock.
11:35:57
